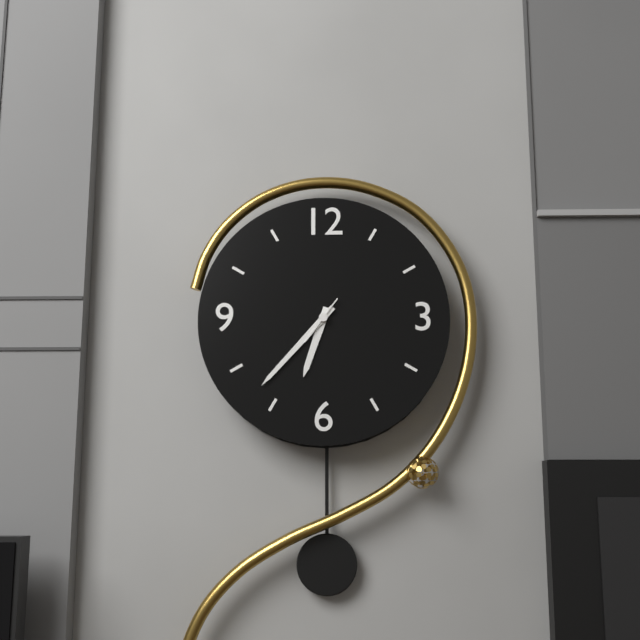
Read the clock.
6:37
